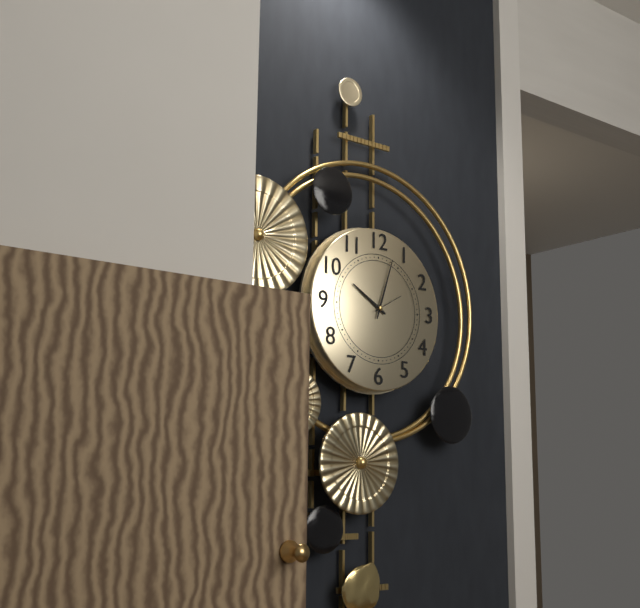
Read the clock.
10:03
